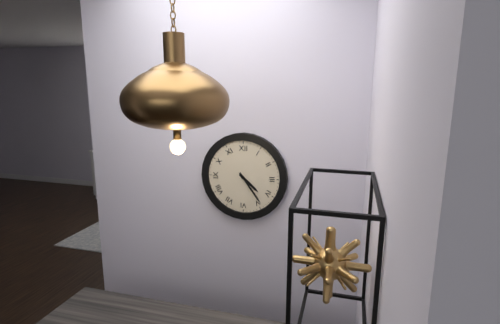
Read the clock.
4:24
